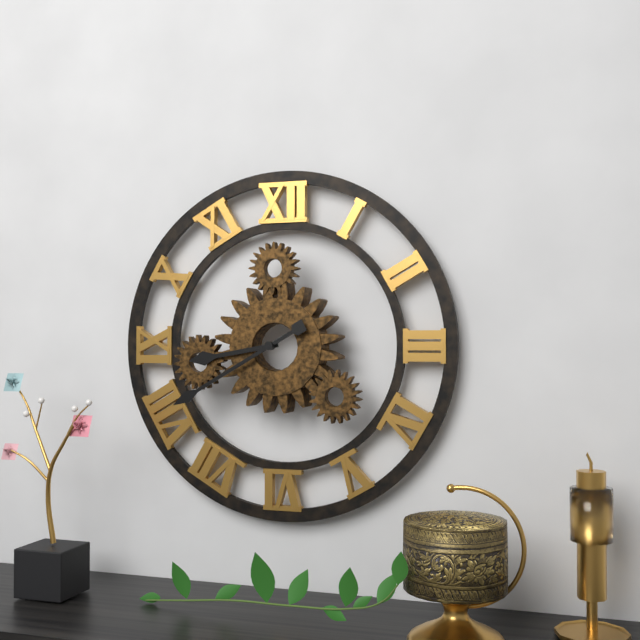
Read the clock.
8:40
